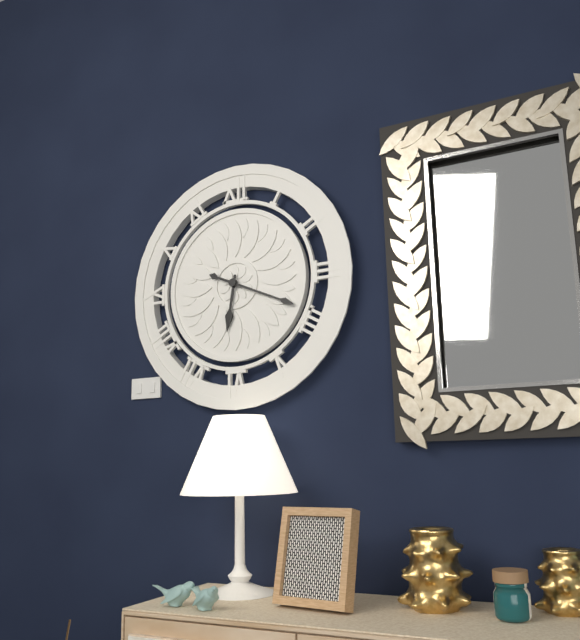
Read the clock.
6:19
